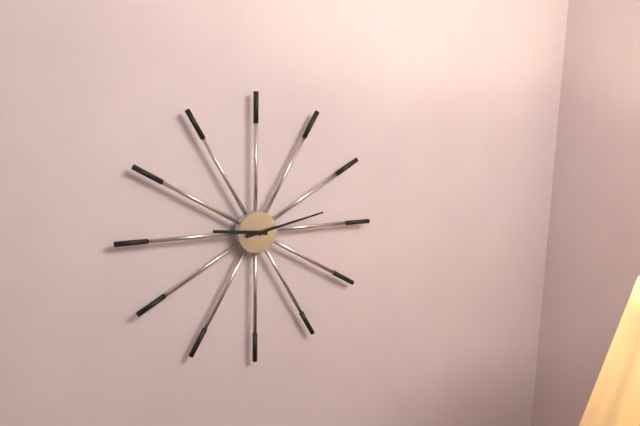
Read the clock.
9:13
